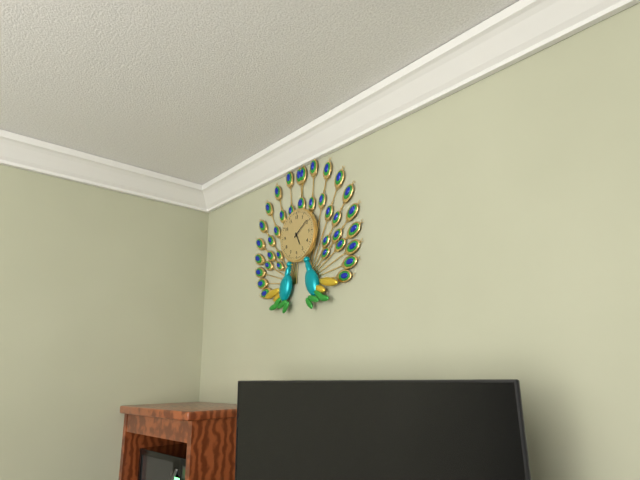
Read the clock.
5:09
